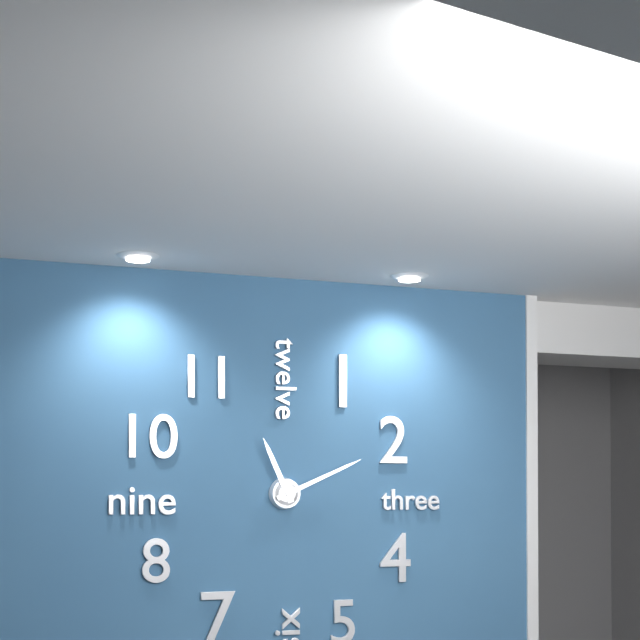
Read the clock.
11:11
